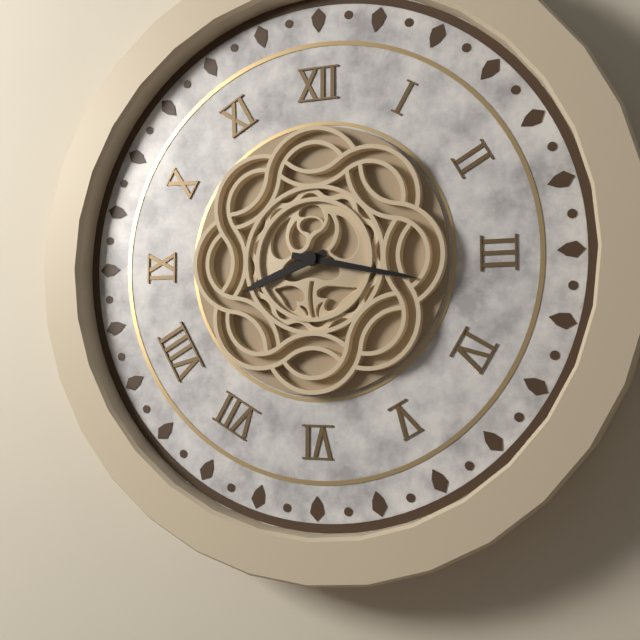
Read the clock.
8:17
